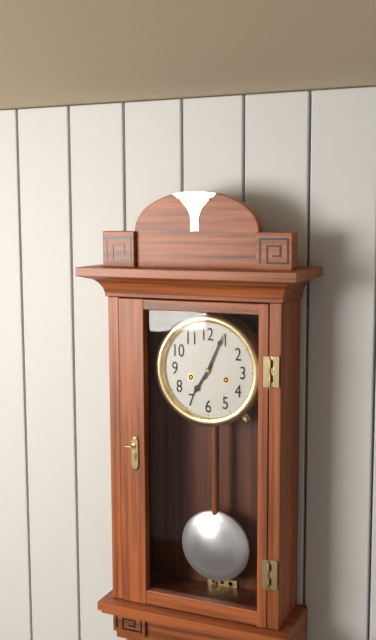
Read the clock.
7:04
